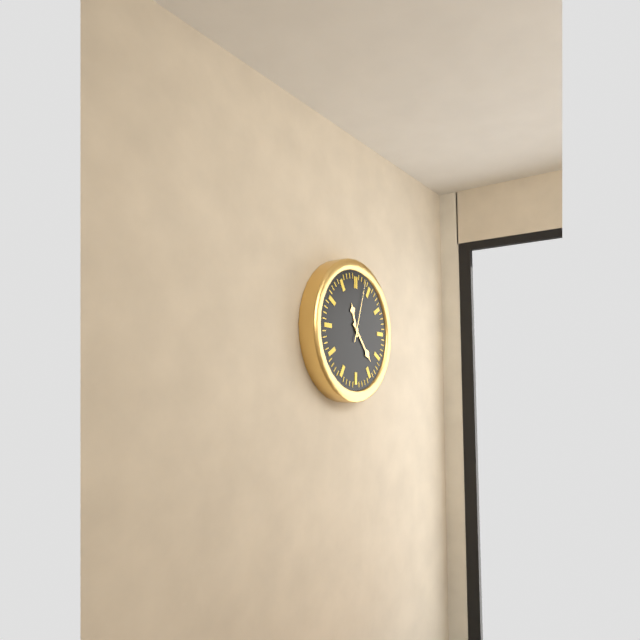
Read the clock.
11:23:03
